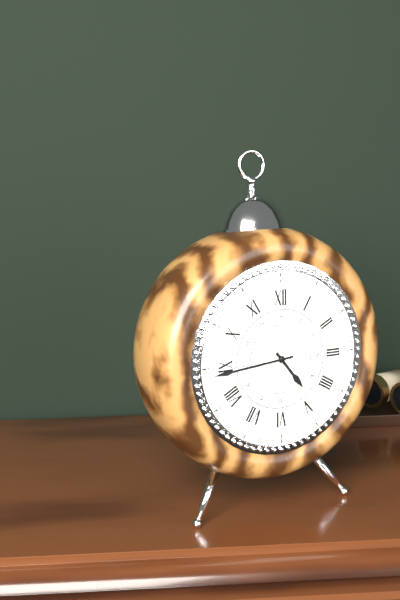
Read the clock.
4:44
